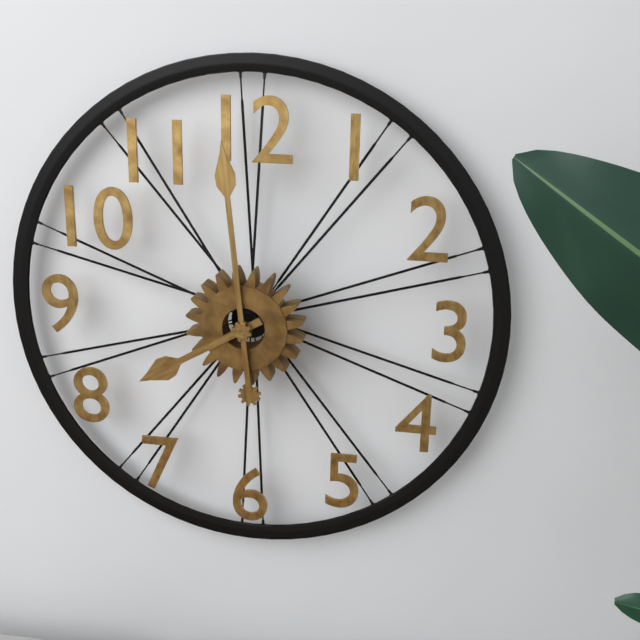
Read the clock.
7:59
